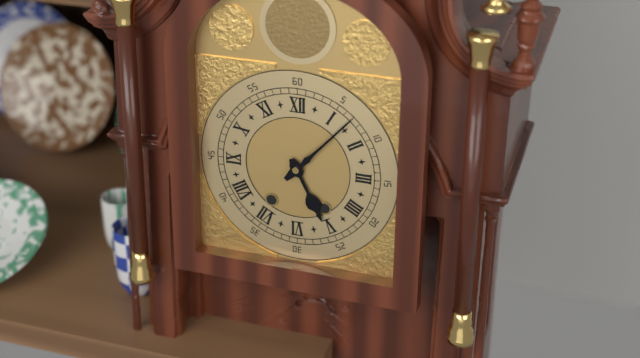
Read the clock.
5:07
